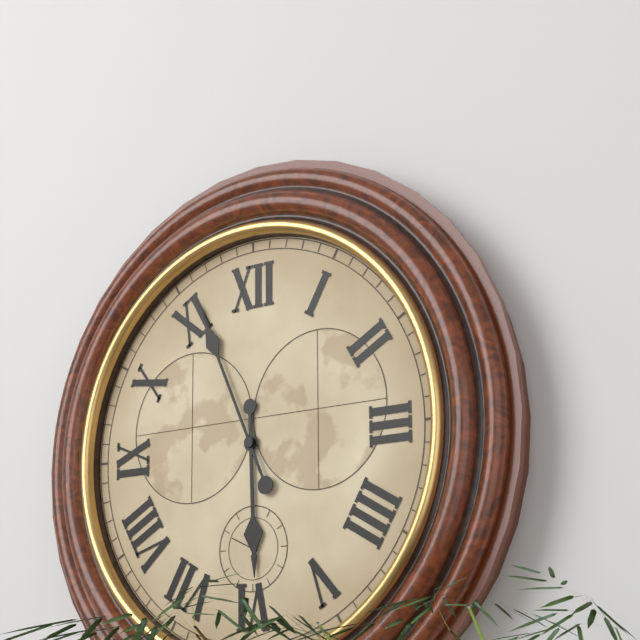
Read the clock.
5:56
